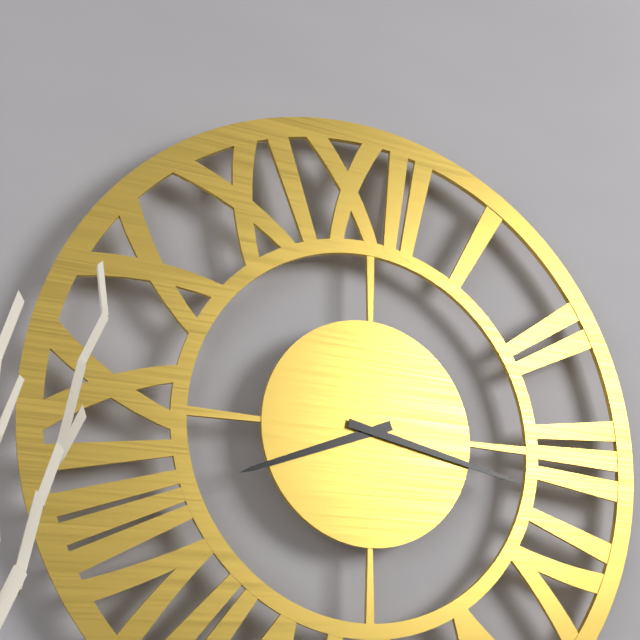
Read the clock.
8:17
